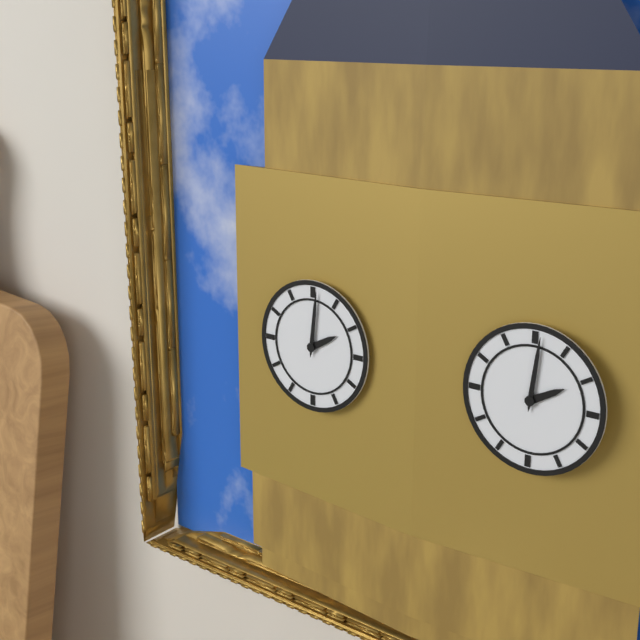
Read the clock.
2:01
